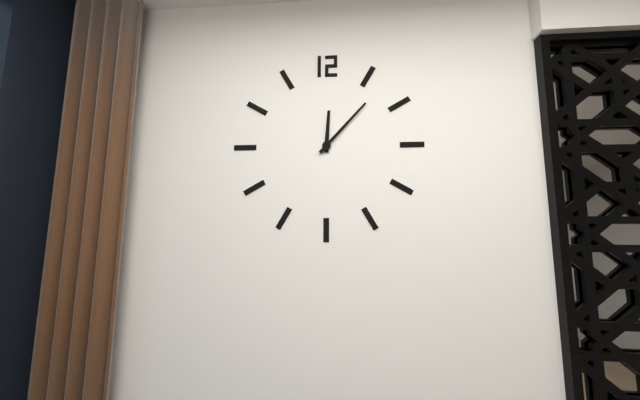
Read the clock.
12:07
